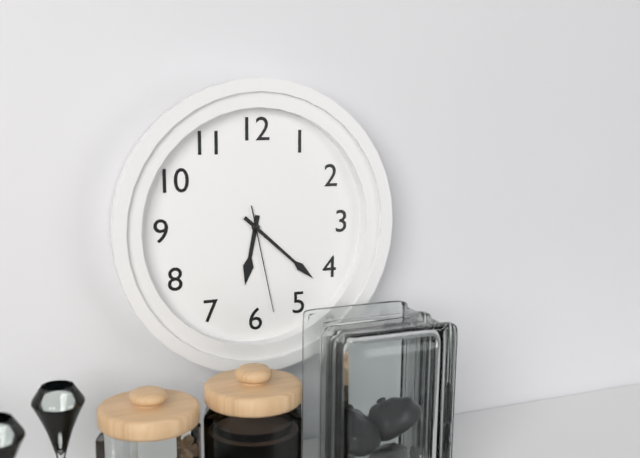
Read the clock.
6:22:28
